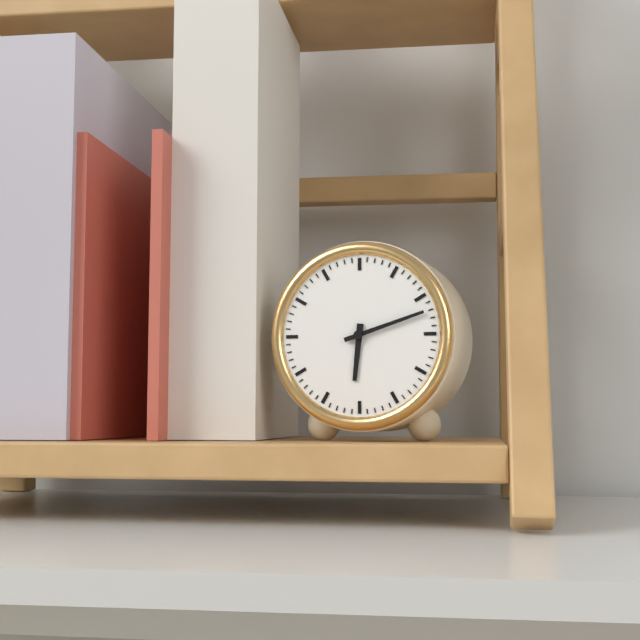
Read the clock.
6:12
